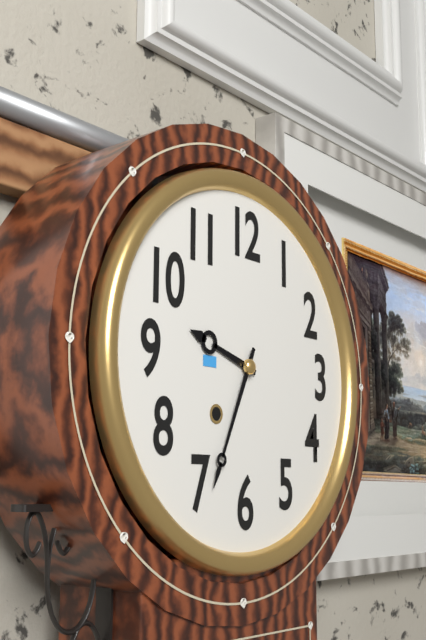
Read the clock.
9:34
